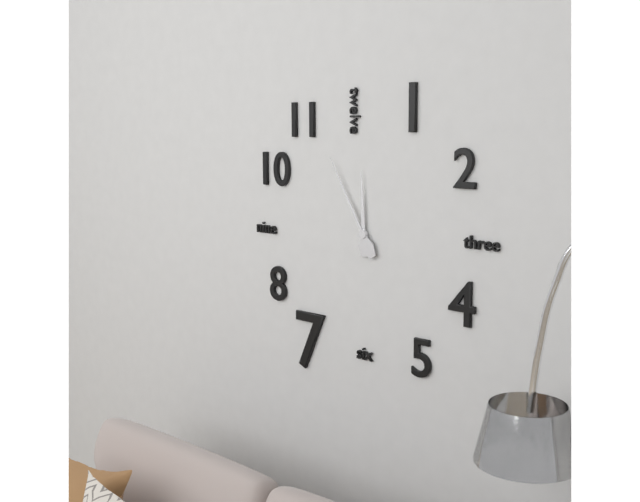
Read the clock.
11:55
